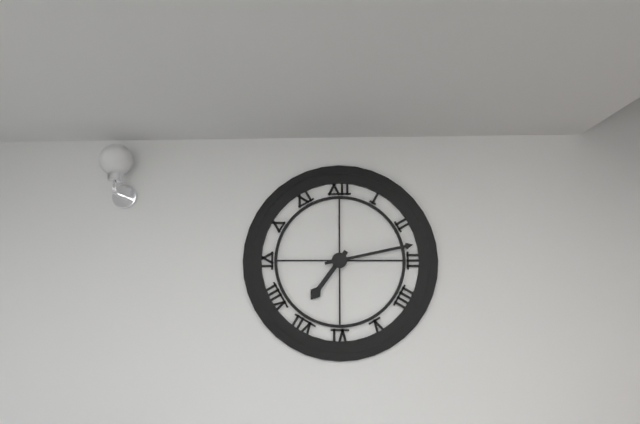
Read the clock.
7:13
